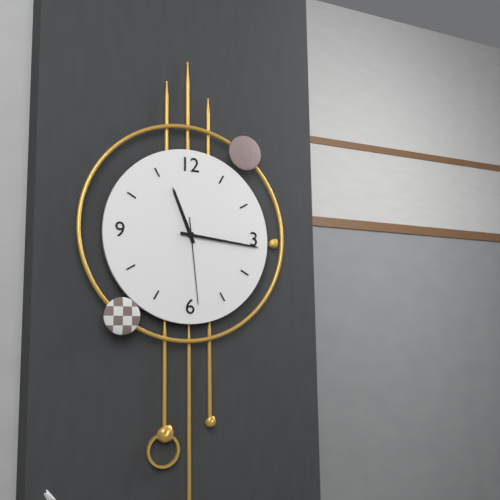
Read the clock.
11:16:29
